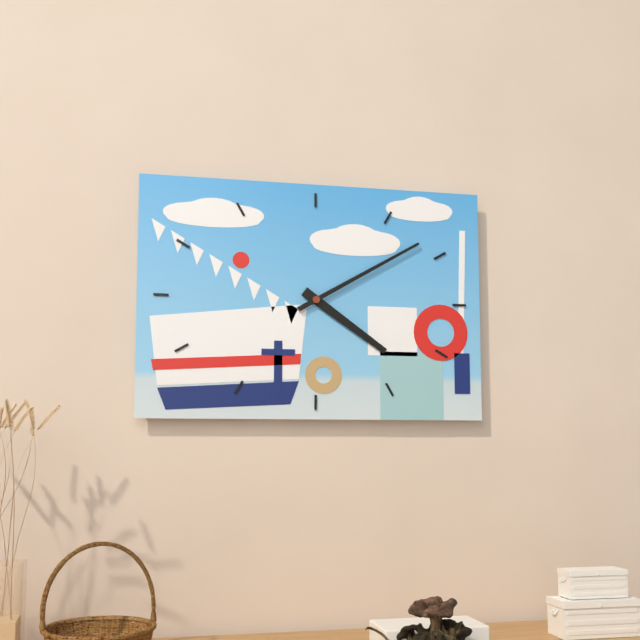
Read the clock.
4:10
